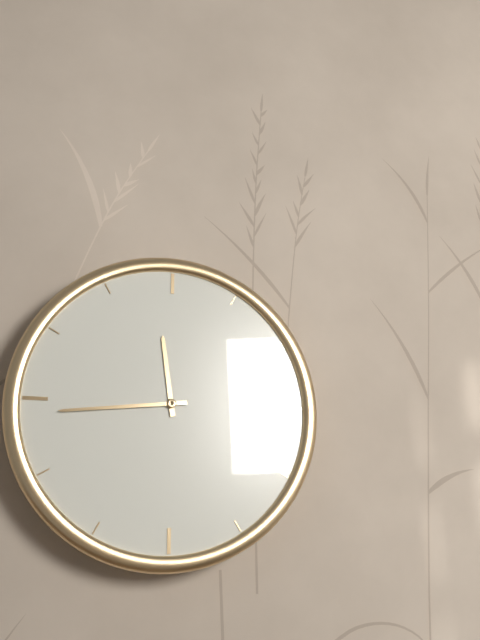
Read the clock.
11:44
